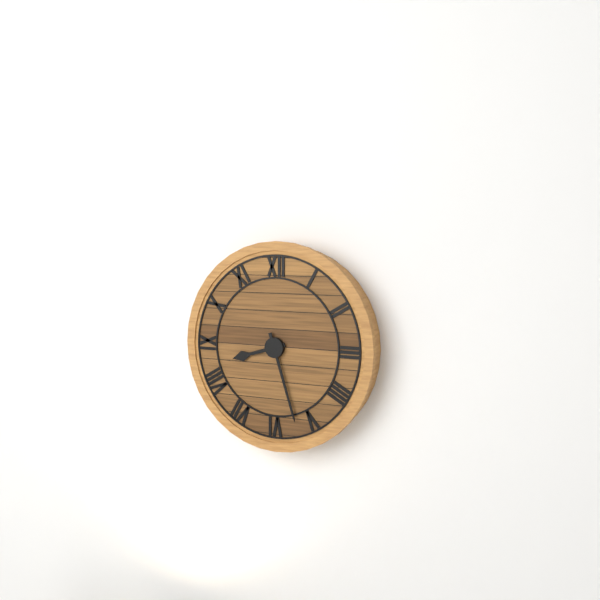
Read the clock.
8:27
